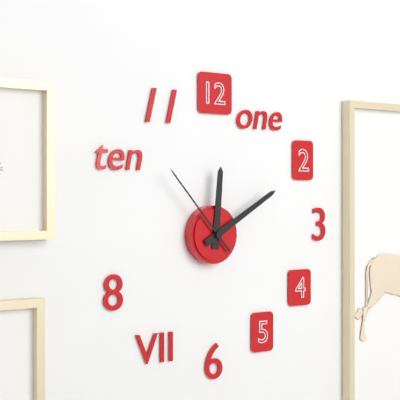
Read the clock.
12:10:53
